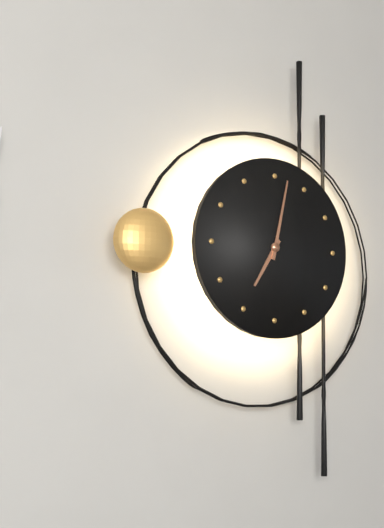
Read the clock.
7:02
